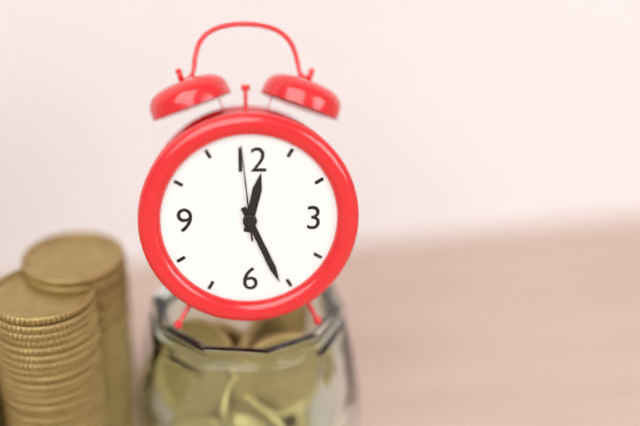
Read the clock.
12:26:59
